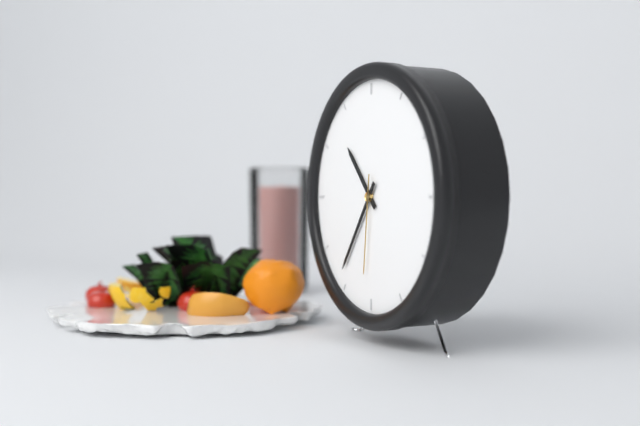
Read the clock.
10:36:31
